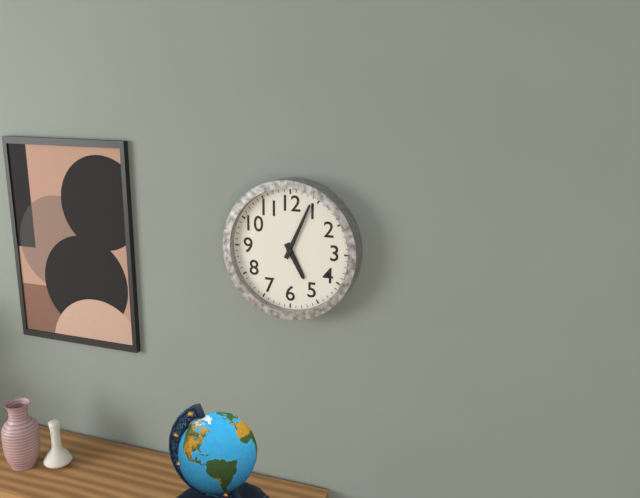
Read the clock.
5:04
